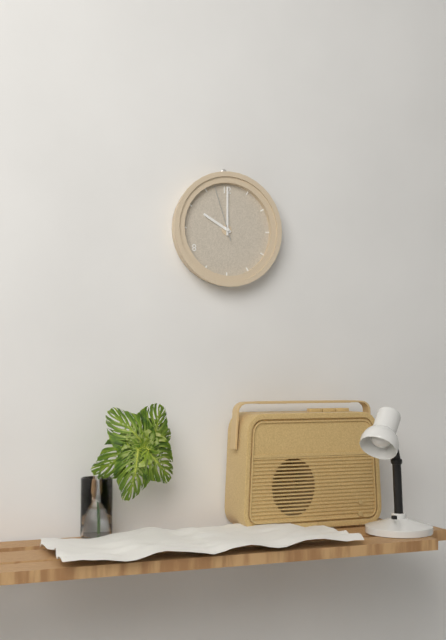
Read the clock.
10:00:57
